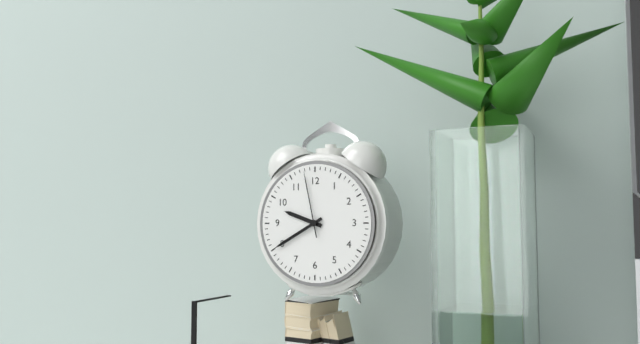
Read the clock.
9:40:58
